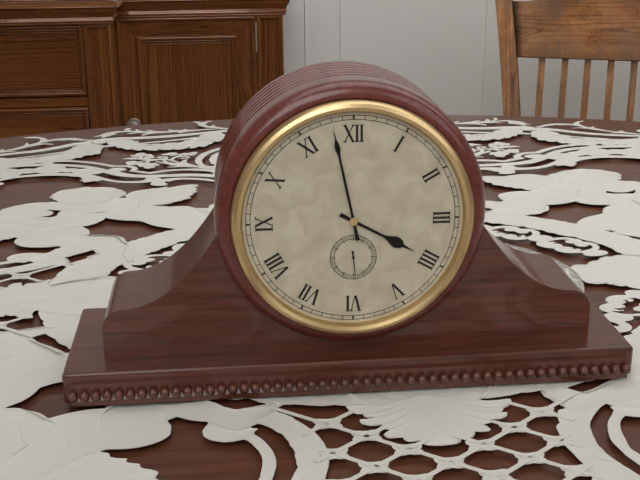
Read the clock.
3:58:29
